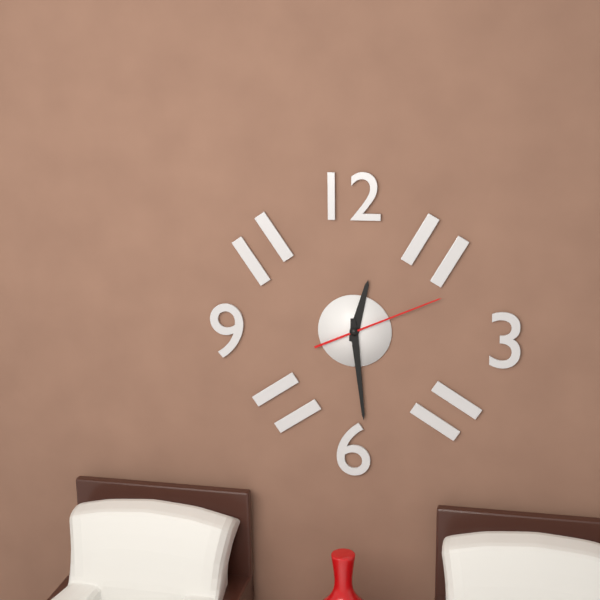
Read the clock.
12:29:11
